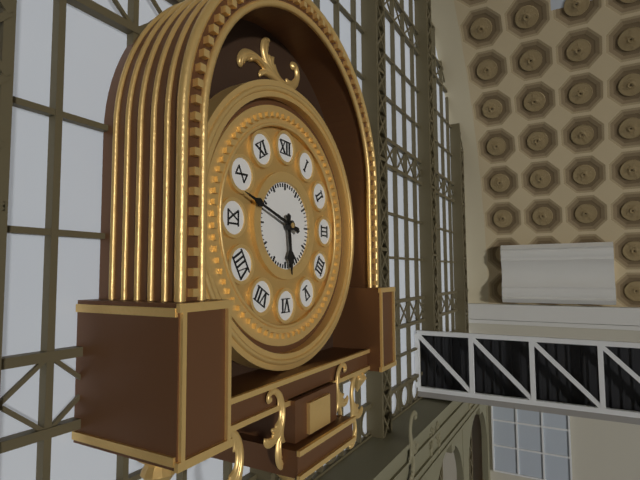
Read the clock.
5:48
